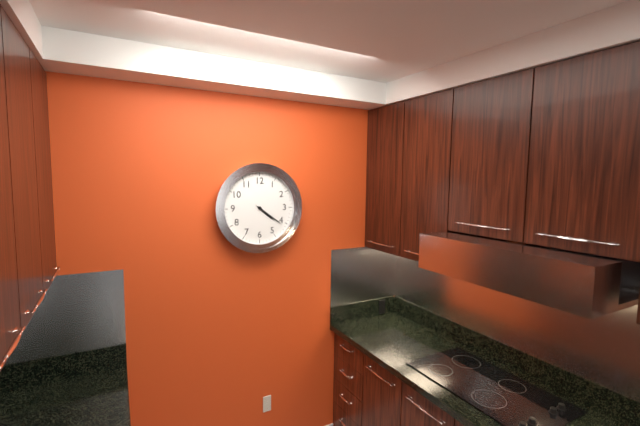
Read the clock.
4:21
